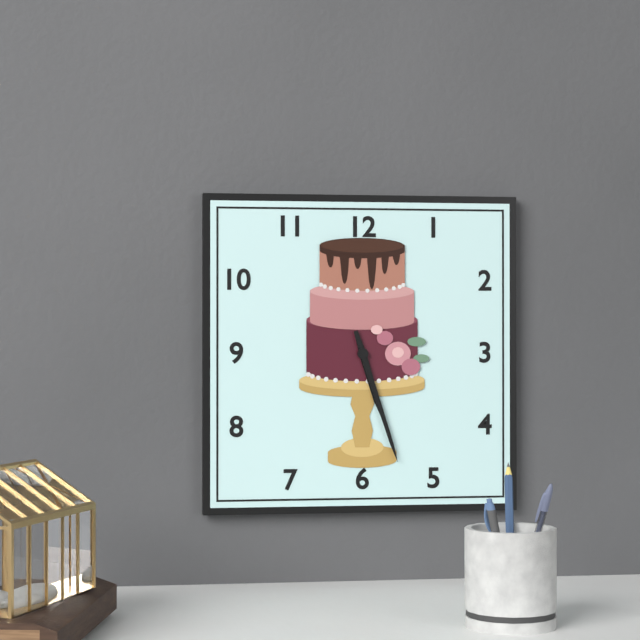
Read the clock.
5:27
